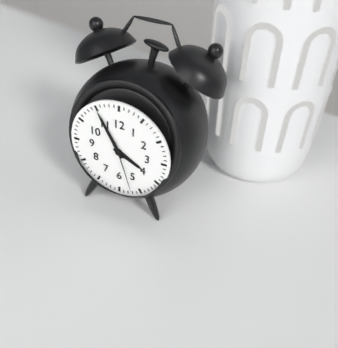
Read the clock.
3:55:27
